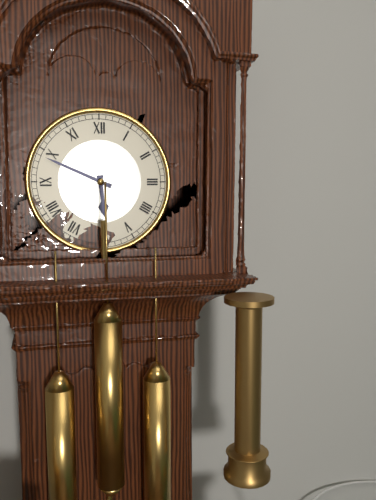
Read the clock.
5:49
